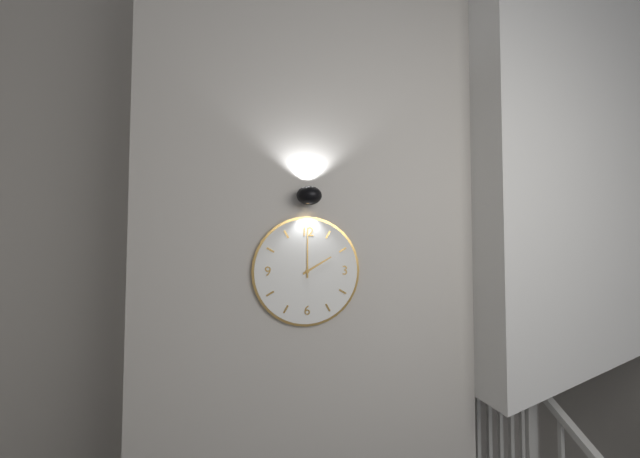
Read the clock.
2:00
